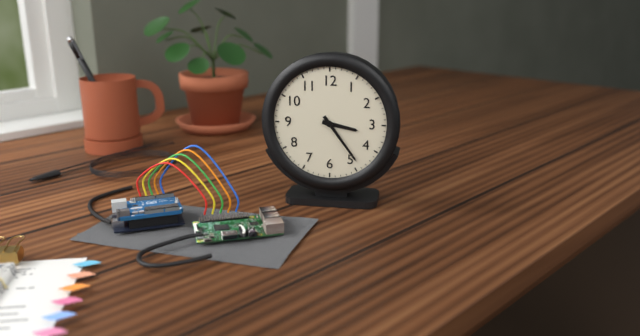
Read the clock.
3:24
